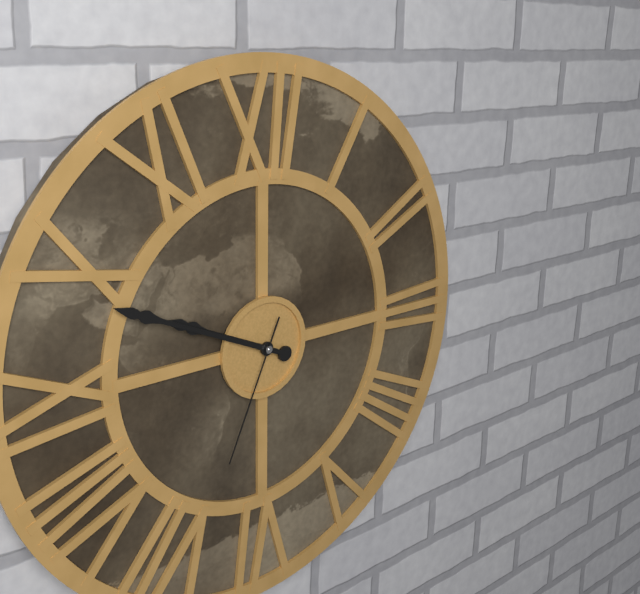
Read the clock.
9:49:34
